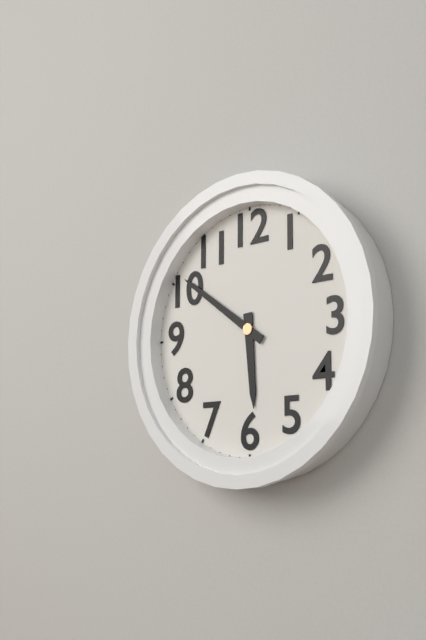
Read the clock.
5:51
